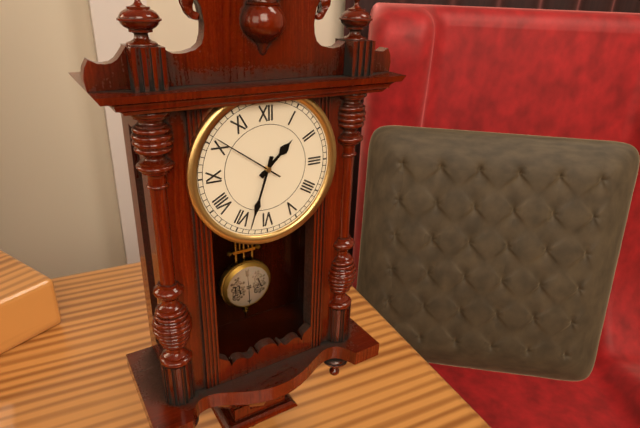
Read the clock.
1:33:51
